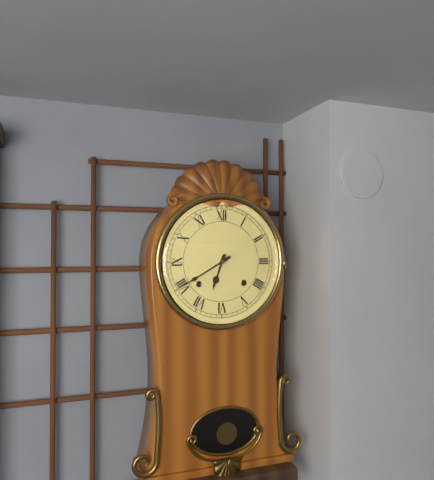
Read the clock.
6:40
